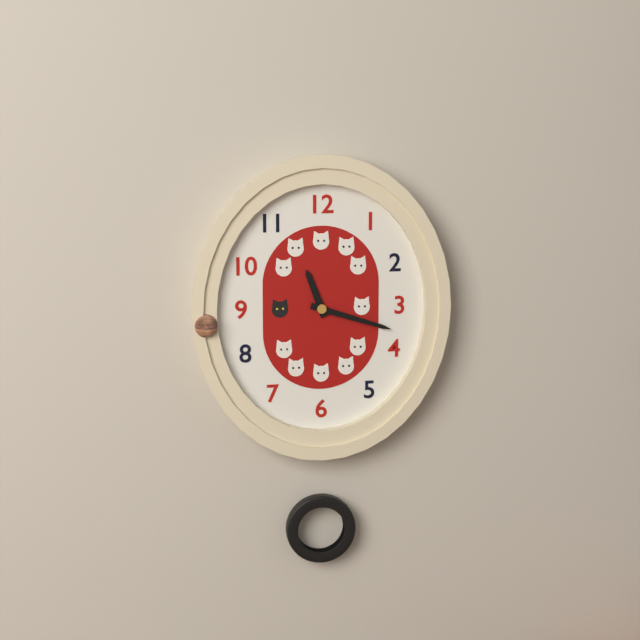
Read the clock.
11:18
